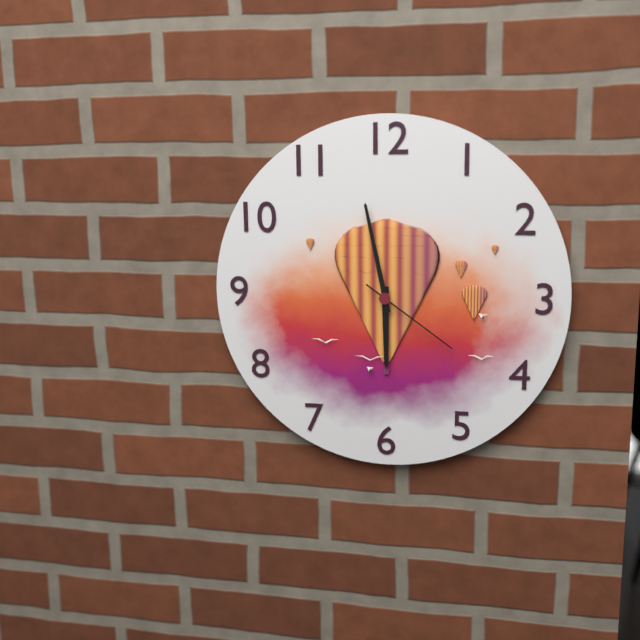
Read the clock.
5:58:21
